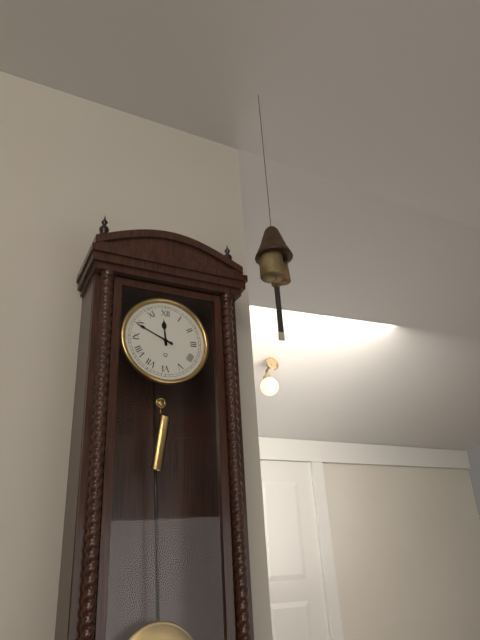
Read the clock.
11:49
